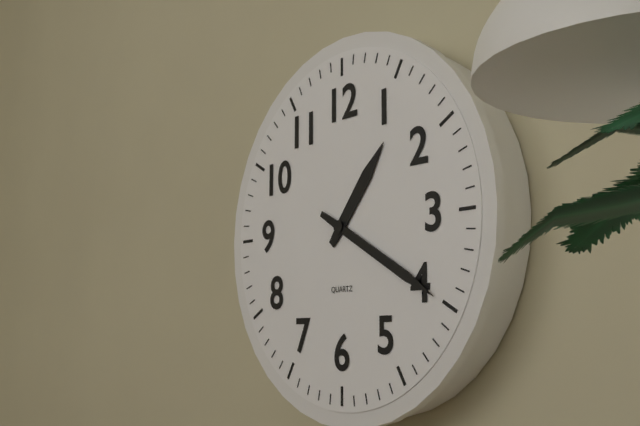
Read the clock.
1:20
